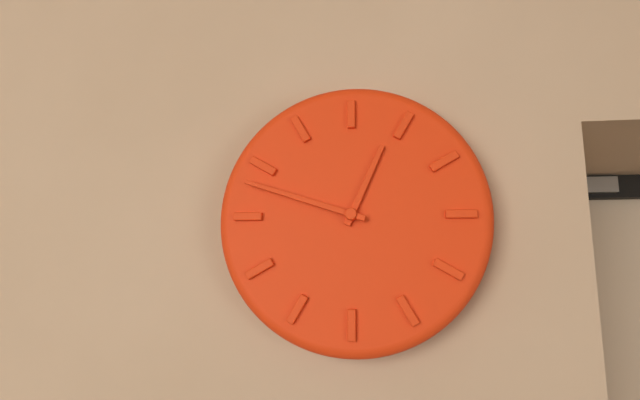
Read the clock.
12:48
